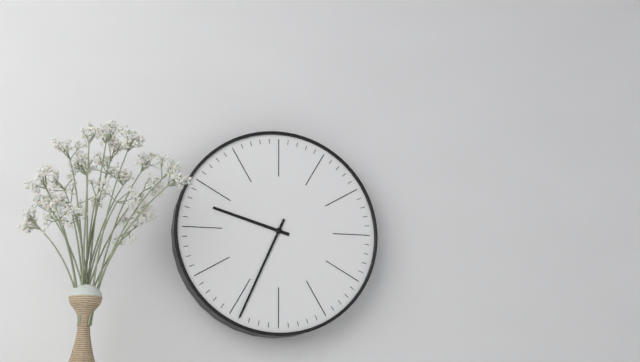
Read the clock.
9:34
